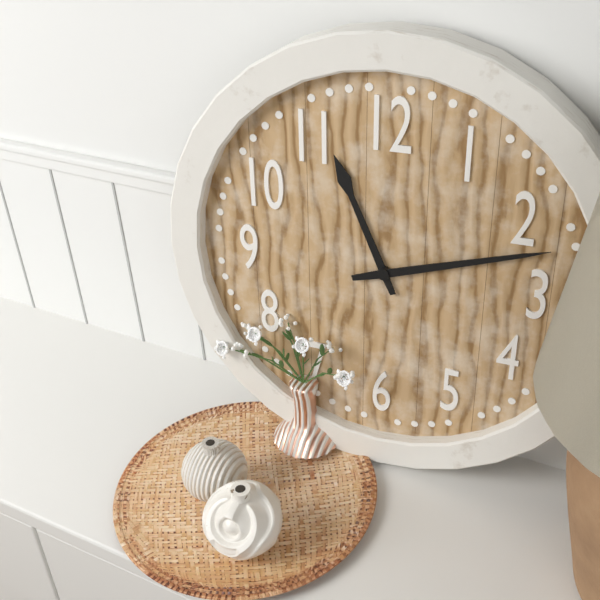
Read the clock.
11:12
